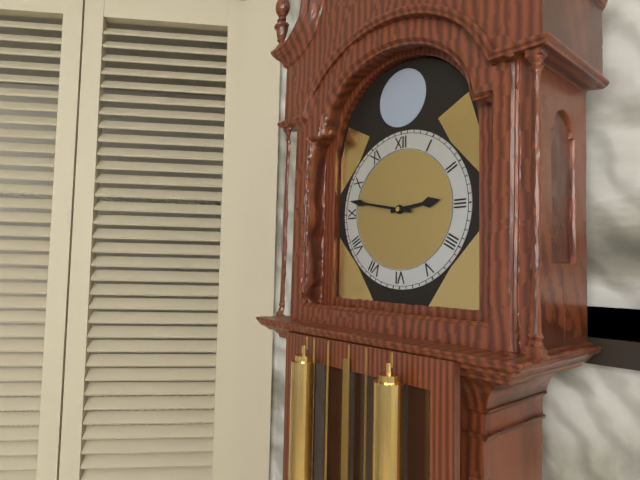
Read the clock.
2:47
